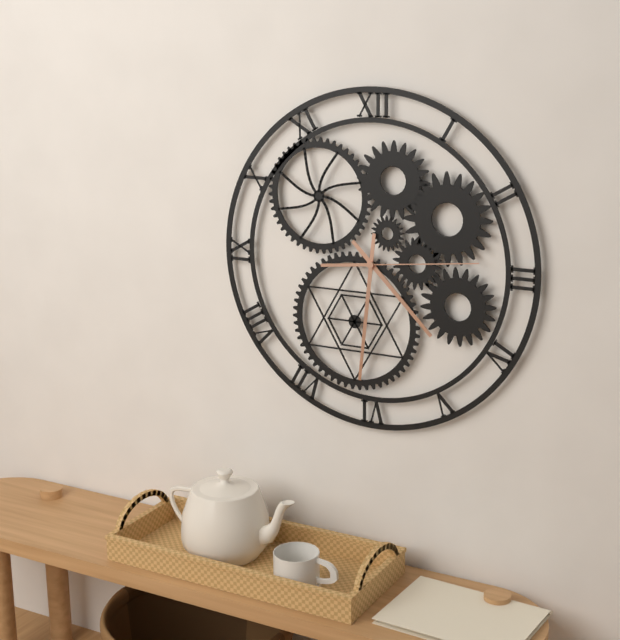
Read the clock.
4:31:14
